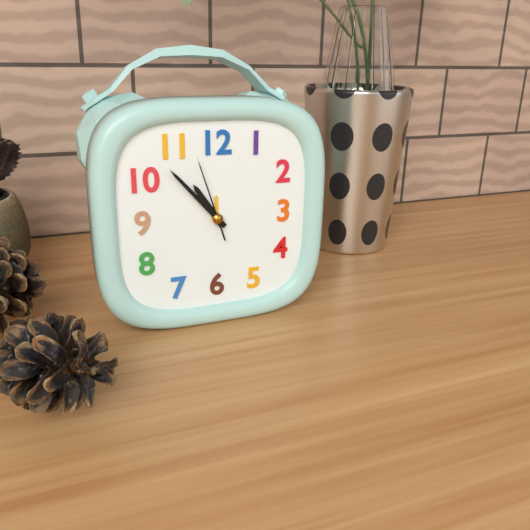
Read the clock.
10:53:57
